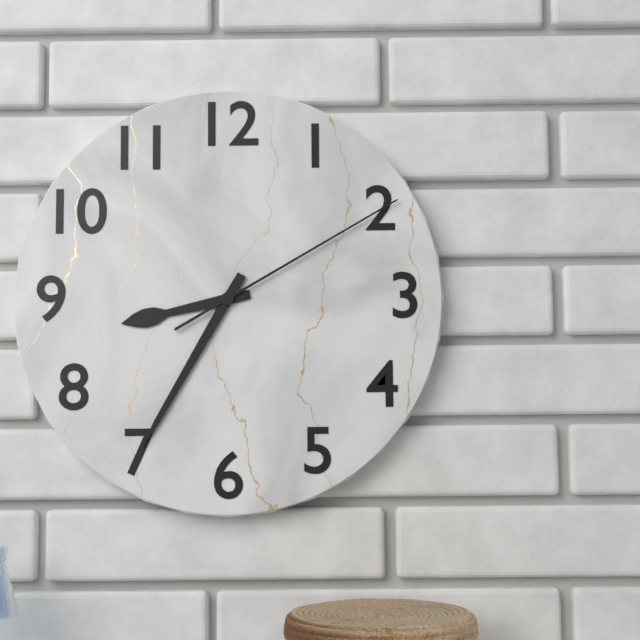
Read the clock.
8:35:10
